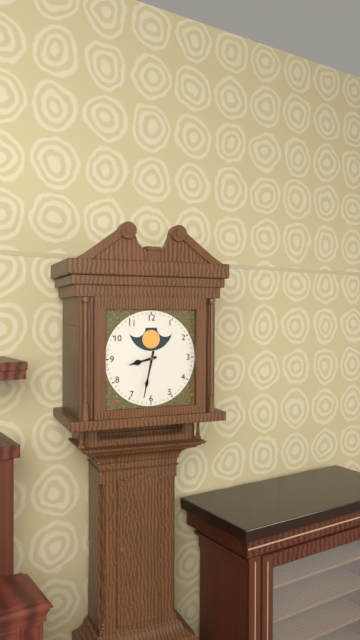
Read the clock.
8:32
